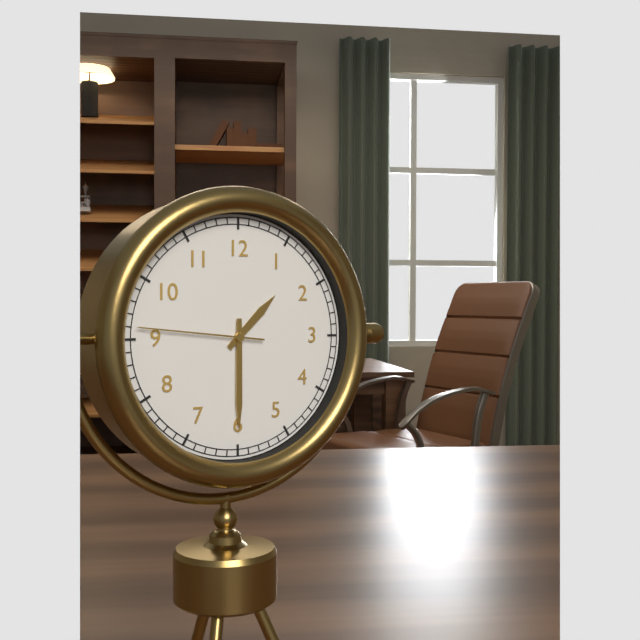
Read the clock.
1:30:46
